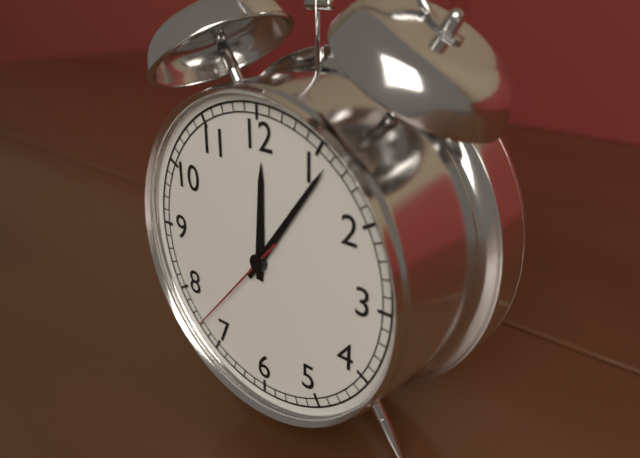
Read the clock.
12:06:37
